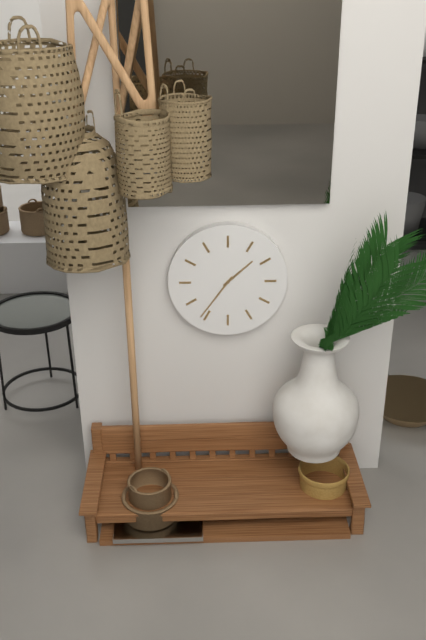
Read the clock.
1:36
